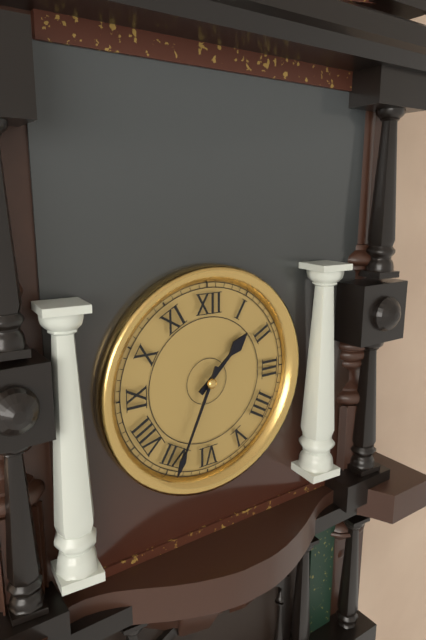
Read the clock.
1:34
